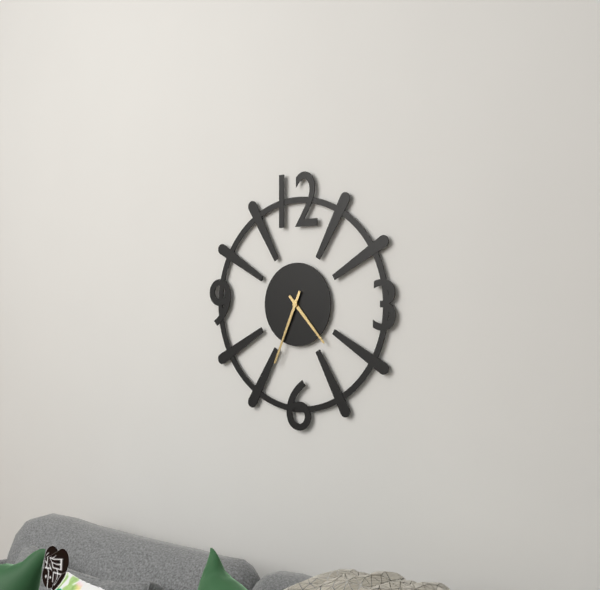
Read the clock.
4:34
